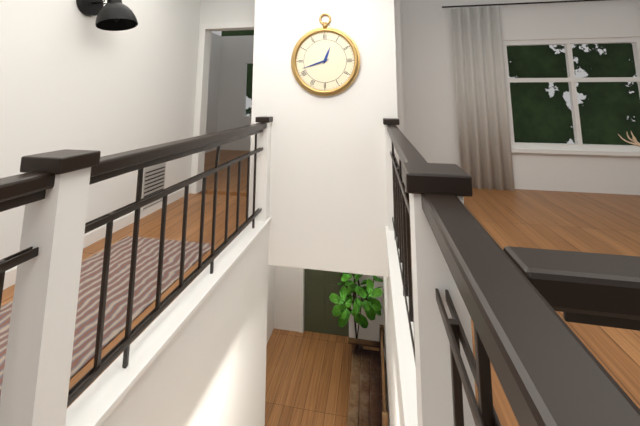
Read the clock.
12:42
